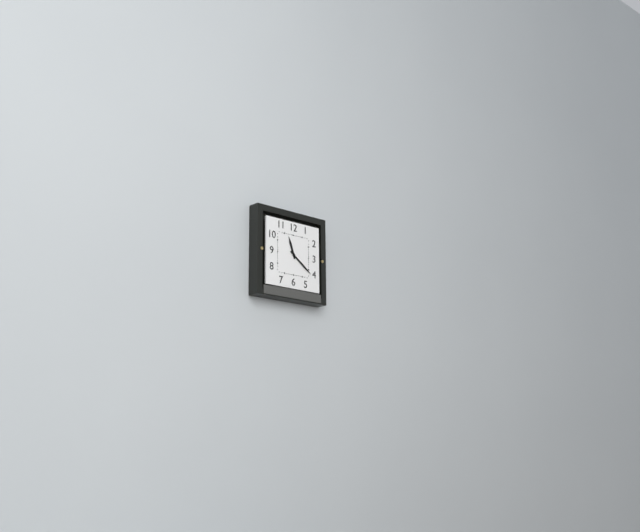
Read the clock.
11:21
